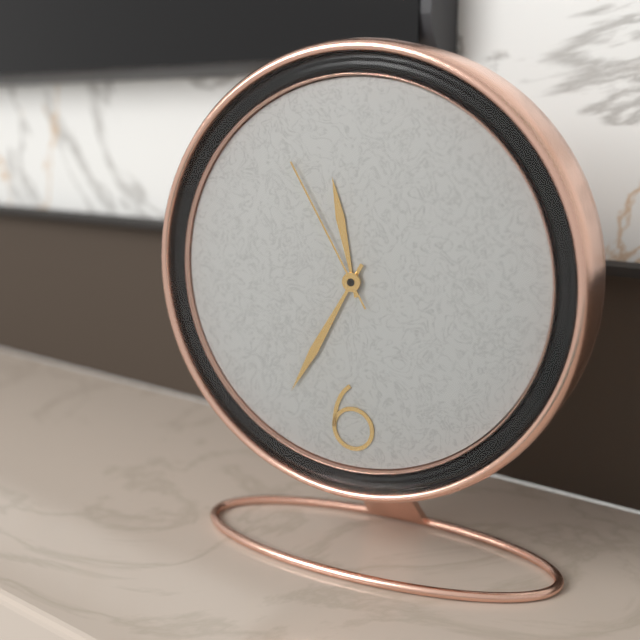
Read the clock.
11:35:55
